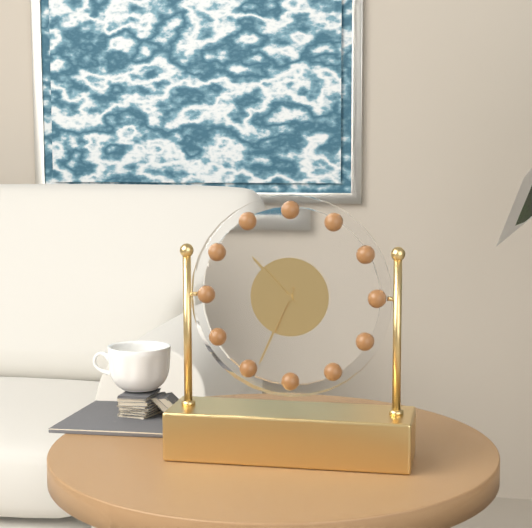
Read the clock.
10:34
